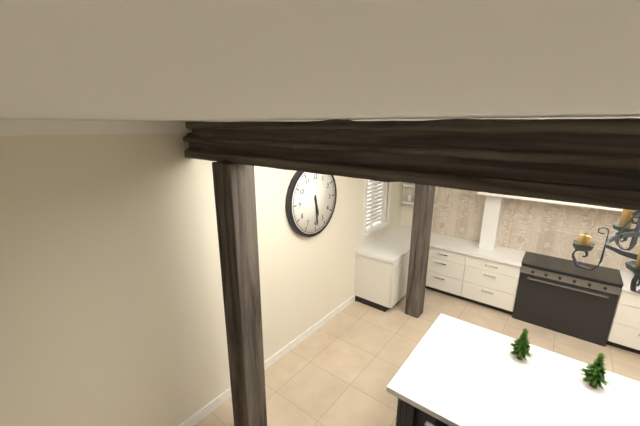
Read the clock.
5:29
